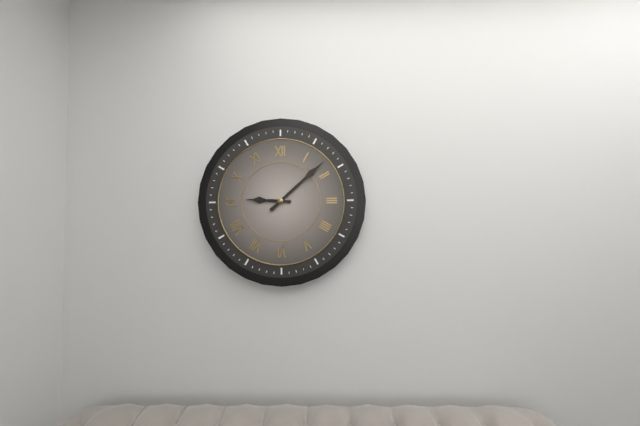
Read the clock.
9:08
